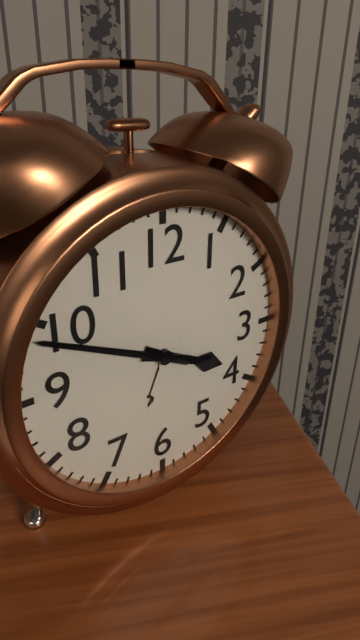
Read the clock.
3:49
